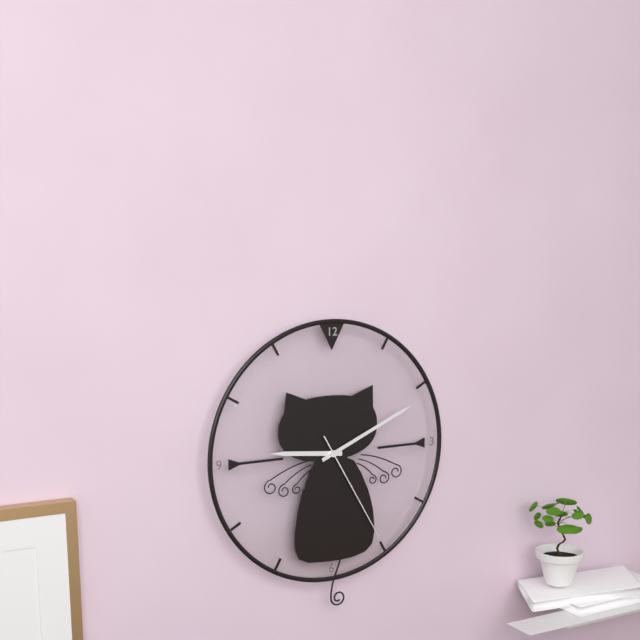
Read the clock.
9:11:25
